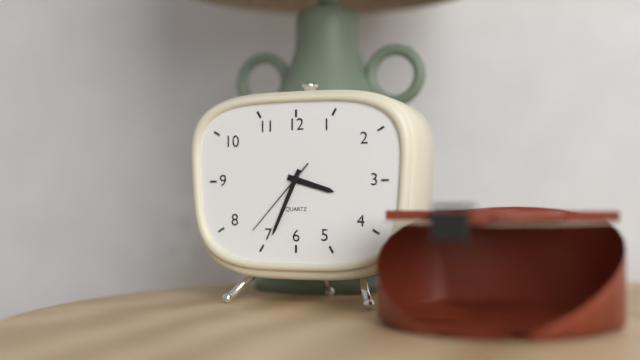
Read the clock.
3:34:37
